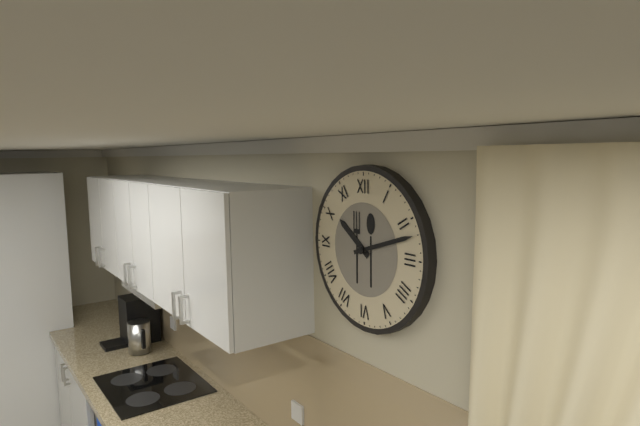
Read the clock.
10:12
